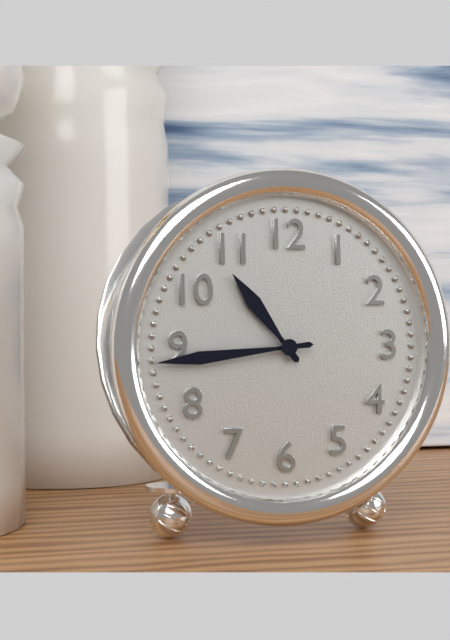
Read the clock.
10:44
